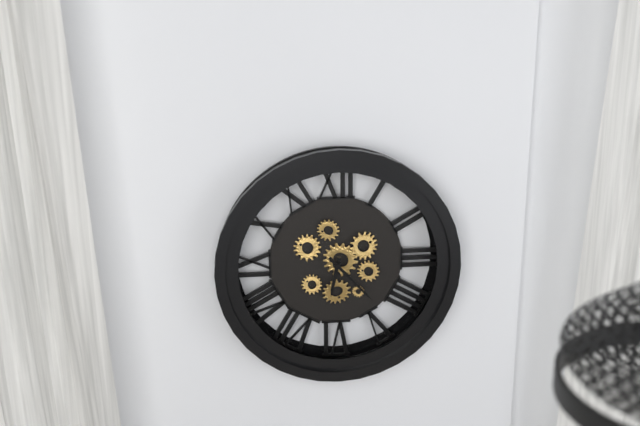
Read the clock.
6:23
